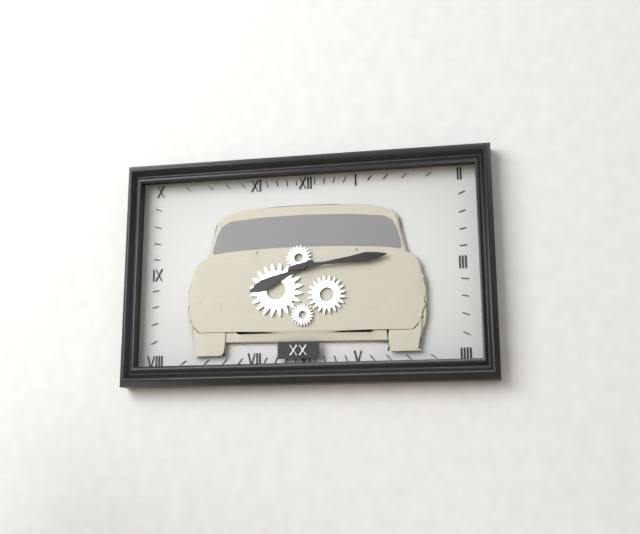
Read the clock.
8:14
